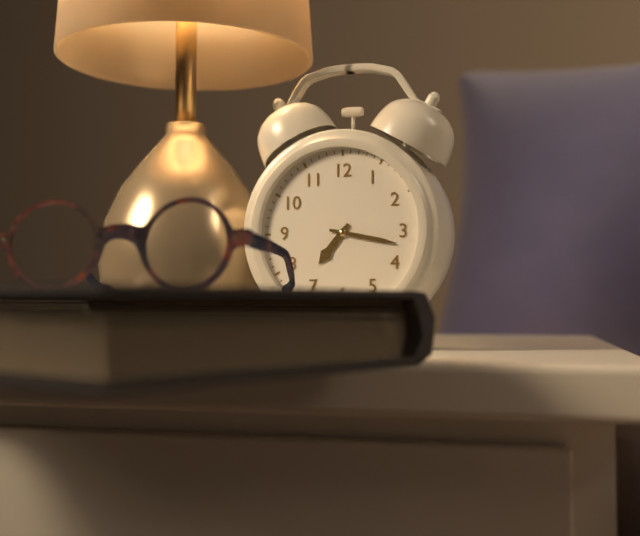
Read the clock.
7:17
